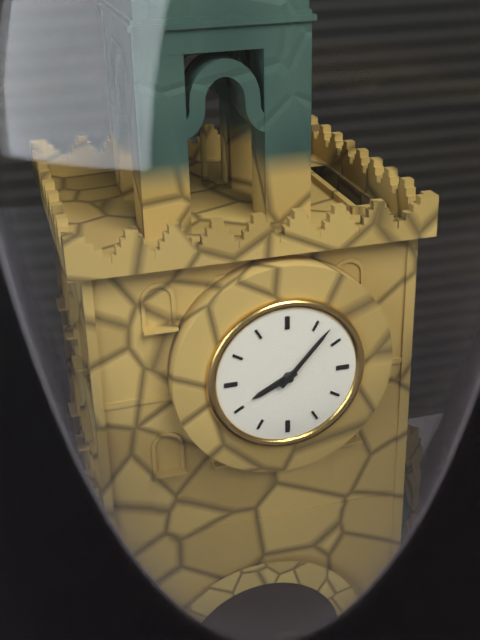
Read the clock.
8:07
